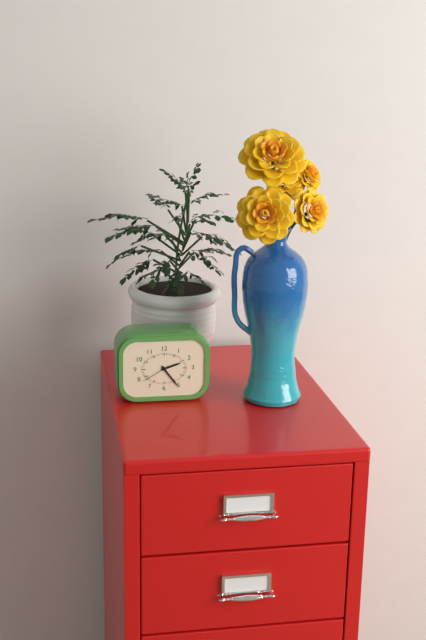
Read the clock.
2:24
